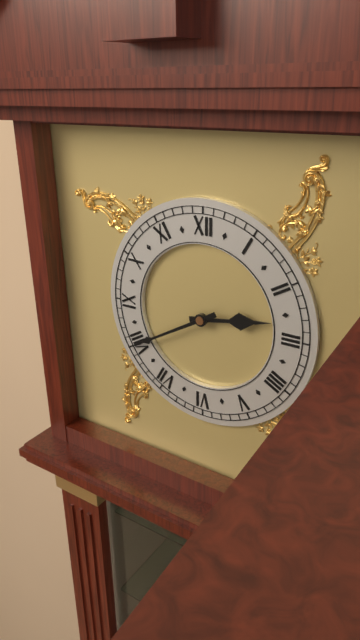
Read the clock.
2:40
